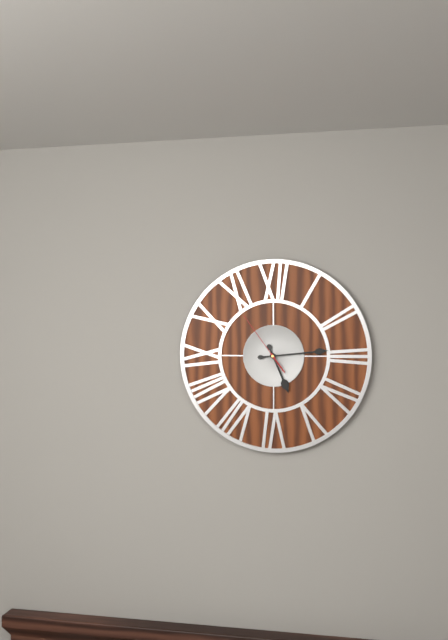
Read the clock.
5:14:54
